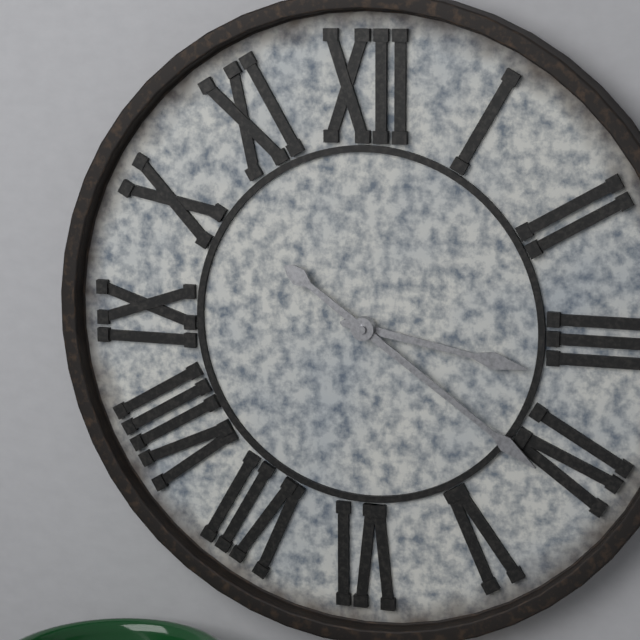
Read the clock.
3:21
